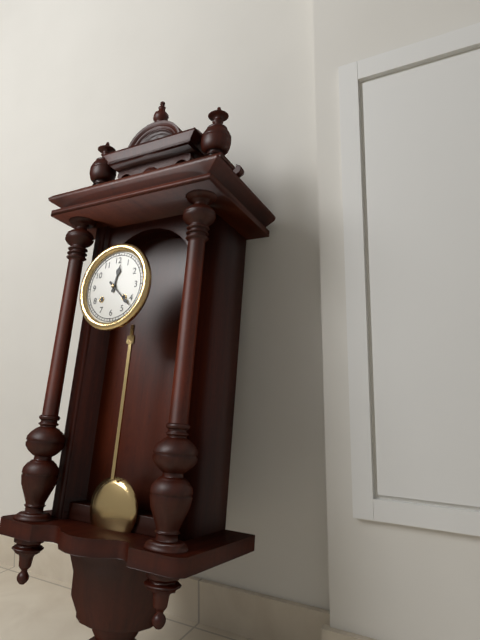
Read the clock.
12:22
